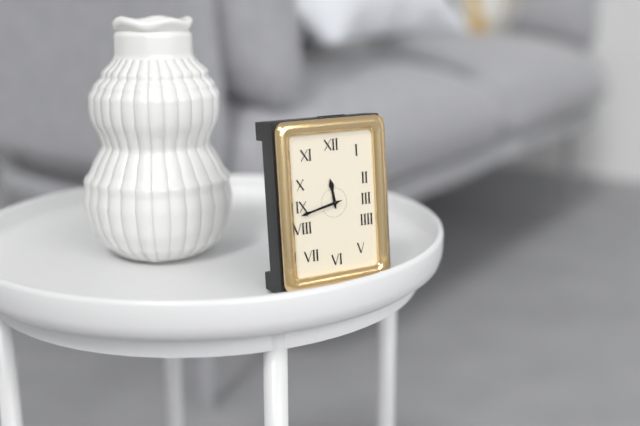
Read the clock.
11:43
